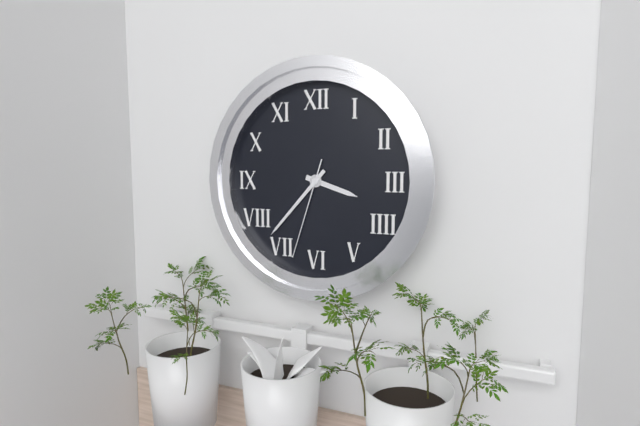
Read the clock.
3:37:33
